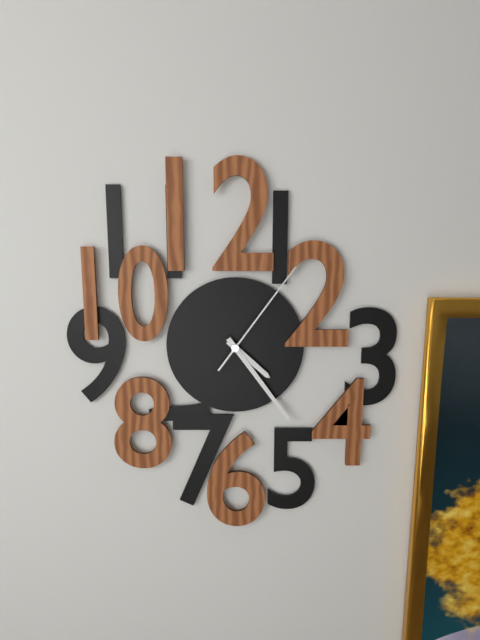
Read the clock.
4:24:06
